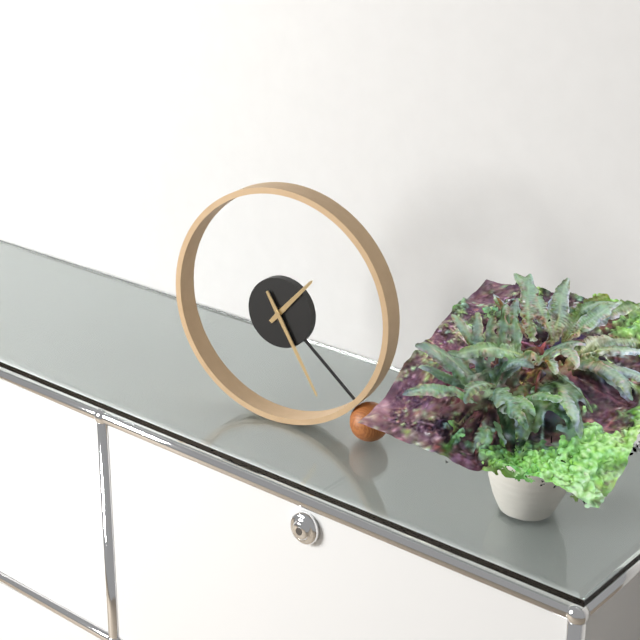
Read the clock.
1:25
